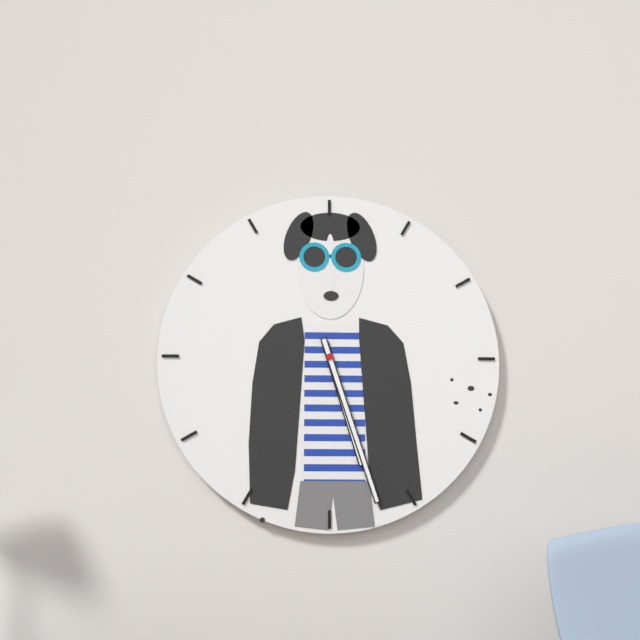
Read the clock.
5:27
